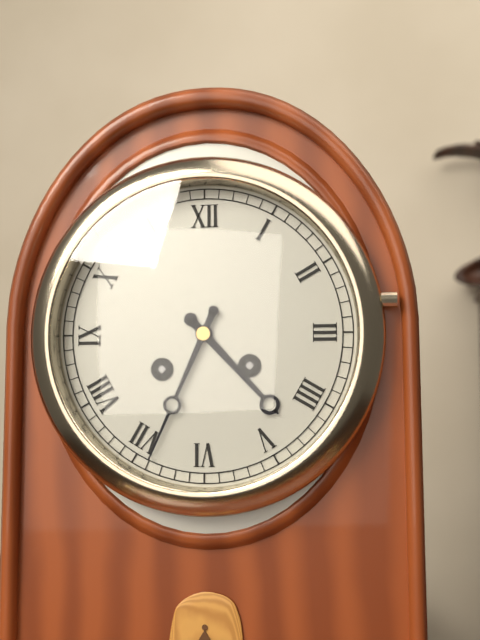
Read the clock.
4:34
